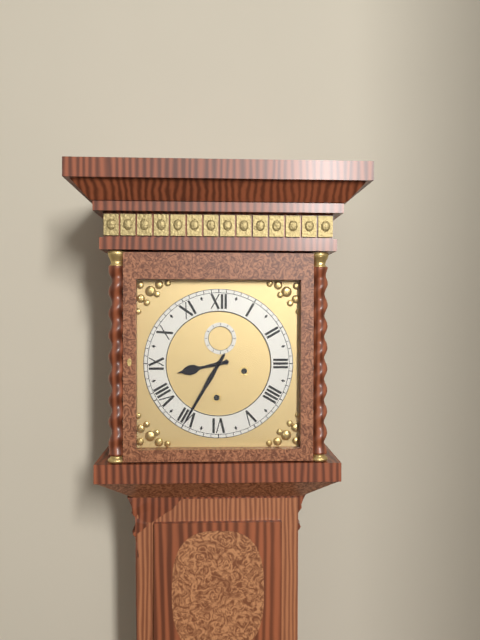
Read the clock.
8:35
